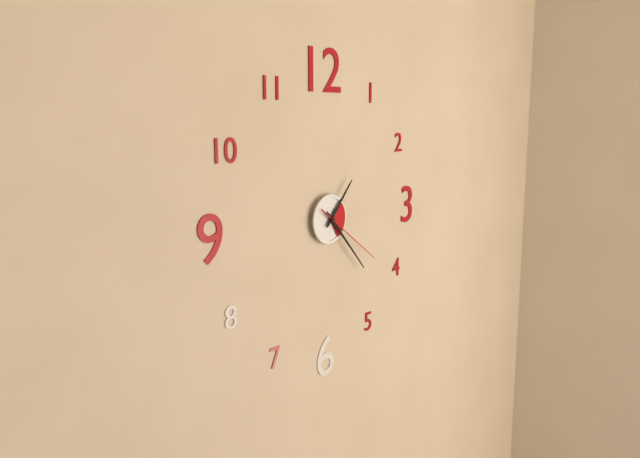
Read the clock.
1:23:21
